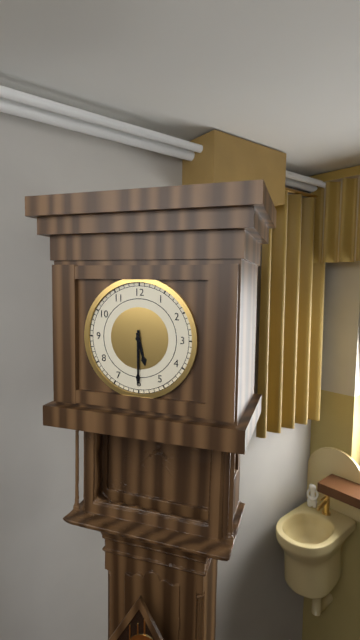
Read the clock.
5:30
